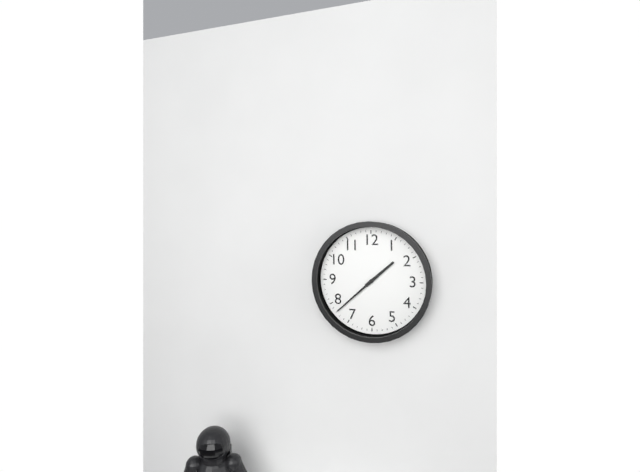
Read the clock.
1:38
